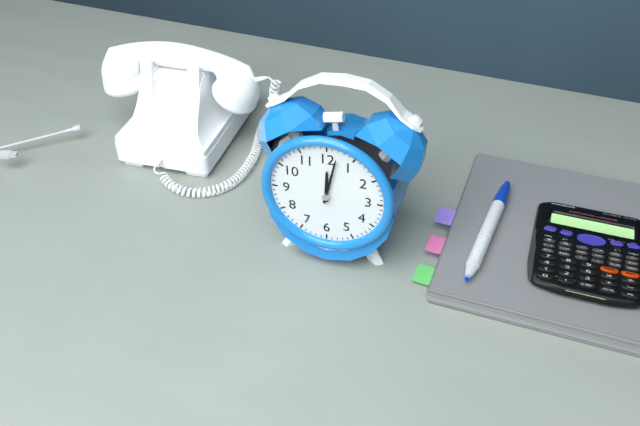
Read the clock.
12:02
